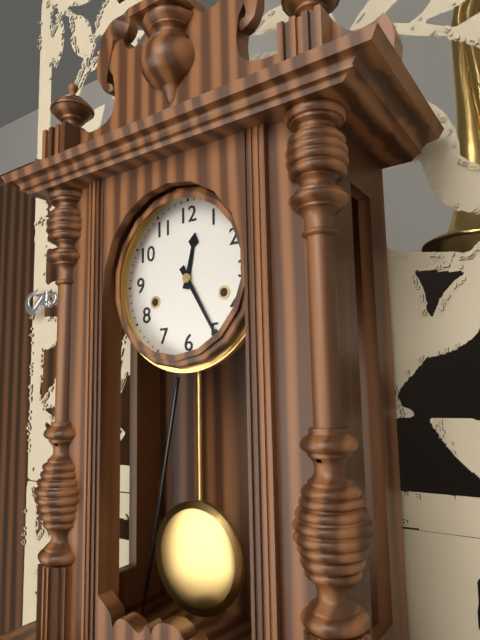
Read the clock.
12:25
